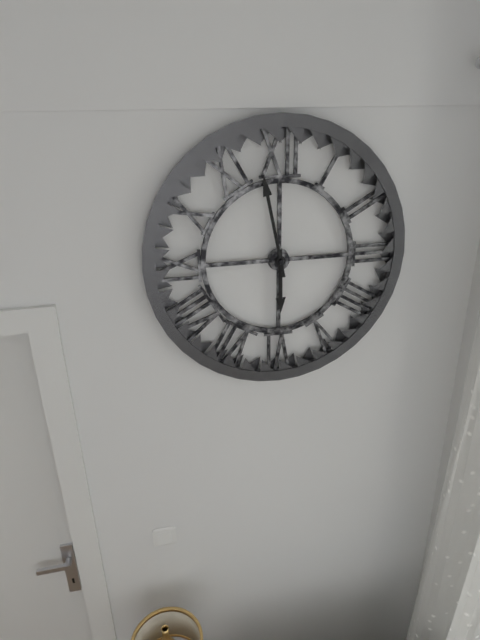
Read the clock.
5:58
